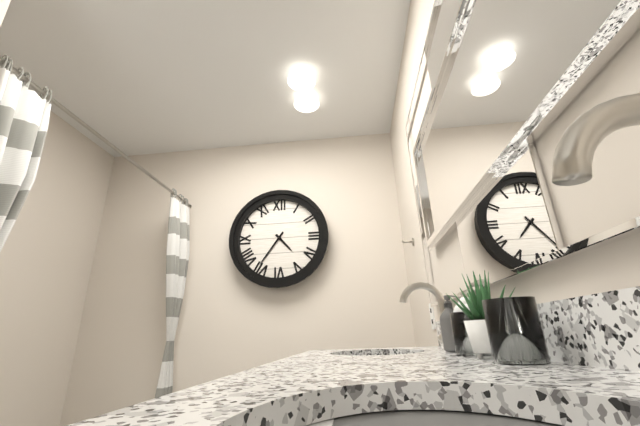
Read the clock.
4:36
